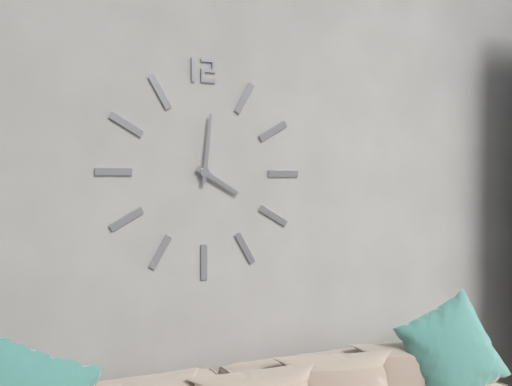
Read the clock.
4:01
